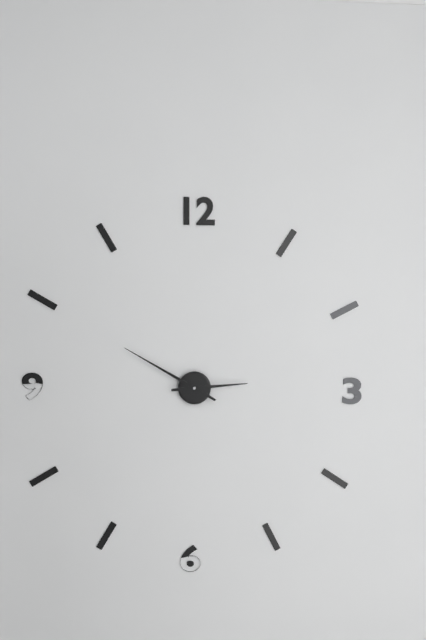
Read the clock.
2:50
